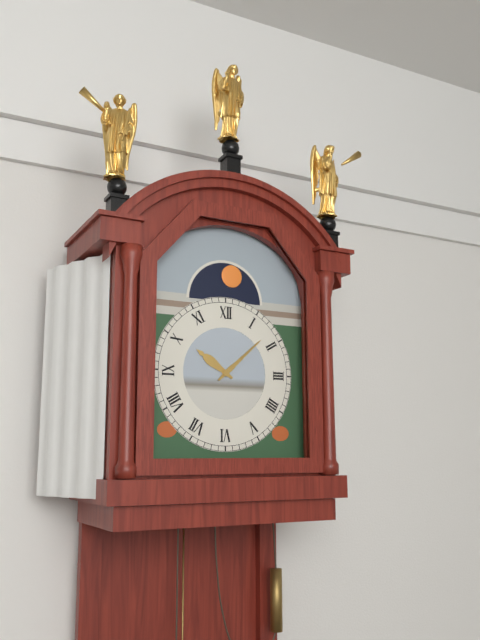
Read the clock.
10:08
